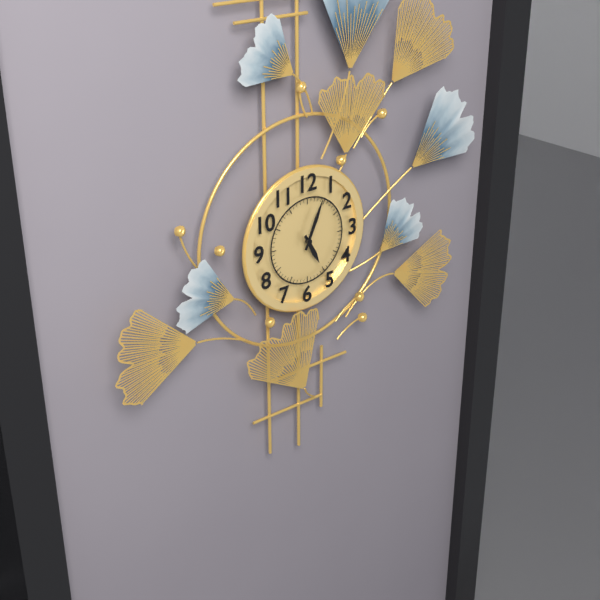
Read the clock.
5:04
